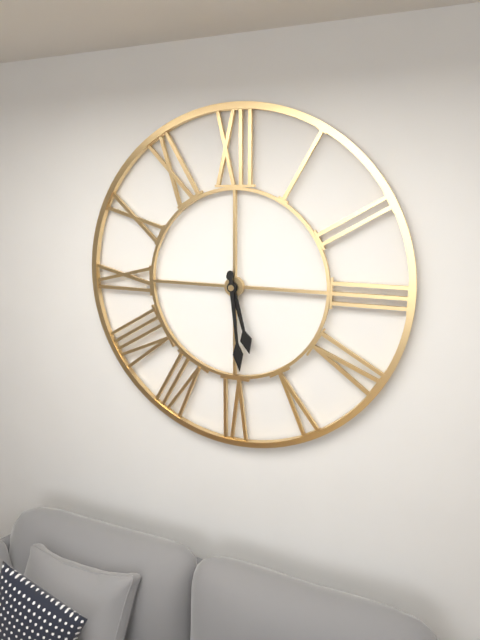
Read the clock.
5:29
